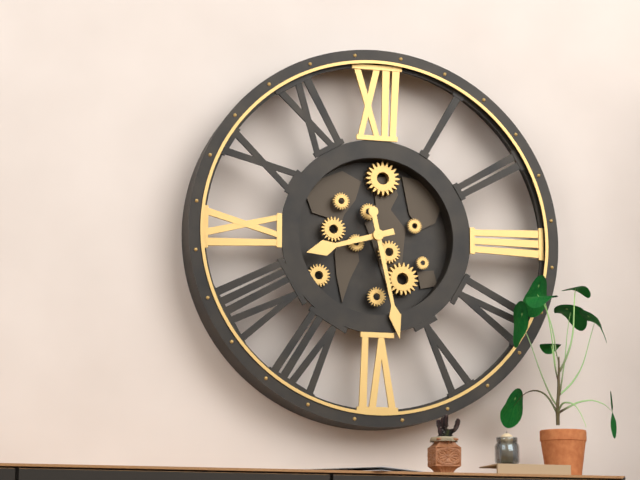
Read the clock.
8:28
